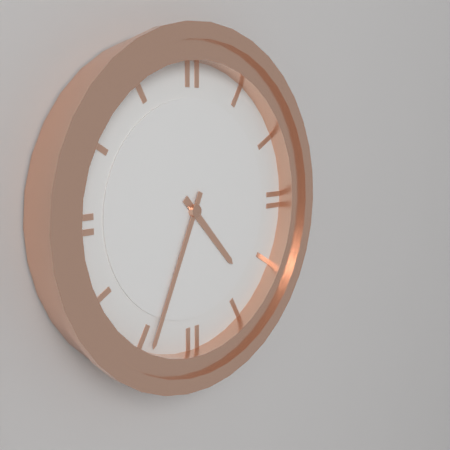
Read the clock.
4:34
